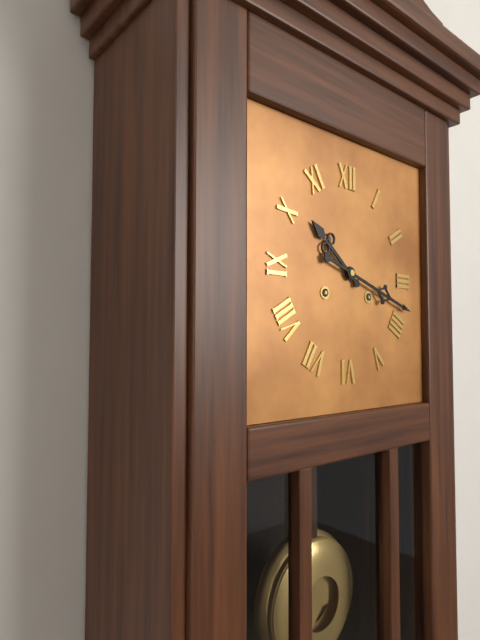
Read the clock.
10:18
